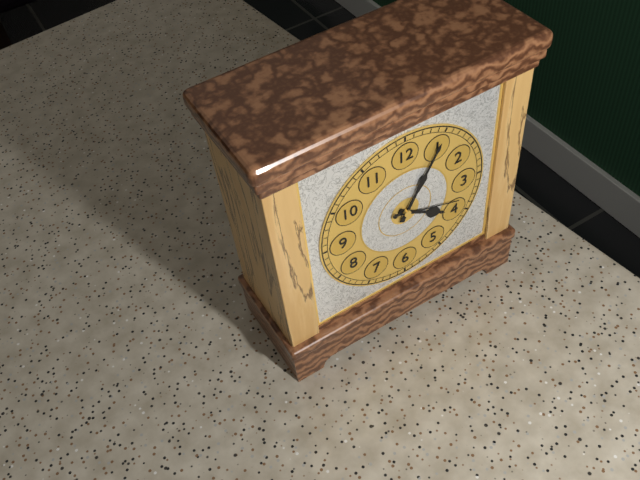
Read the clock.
4:05:18
